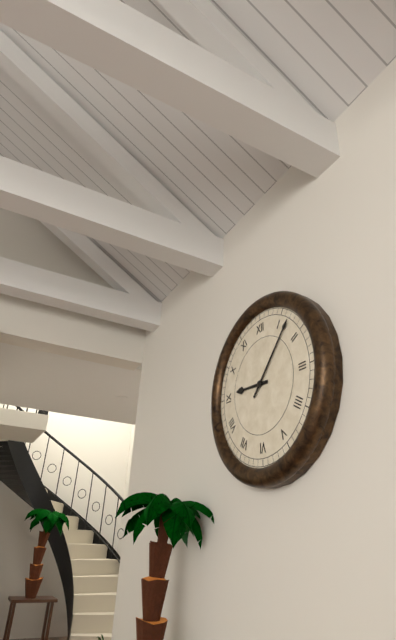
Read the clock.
9:07
